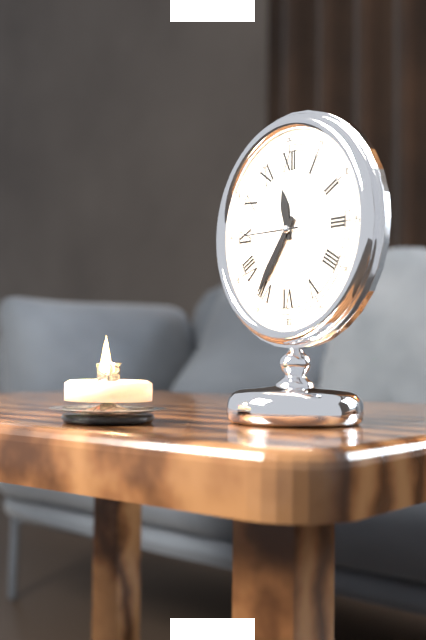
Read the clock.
11:36:45
